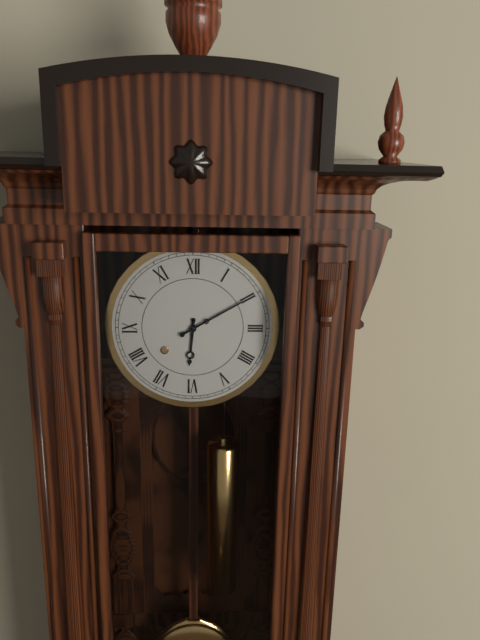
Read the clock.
6:10
